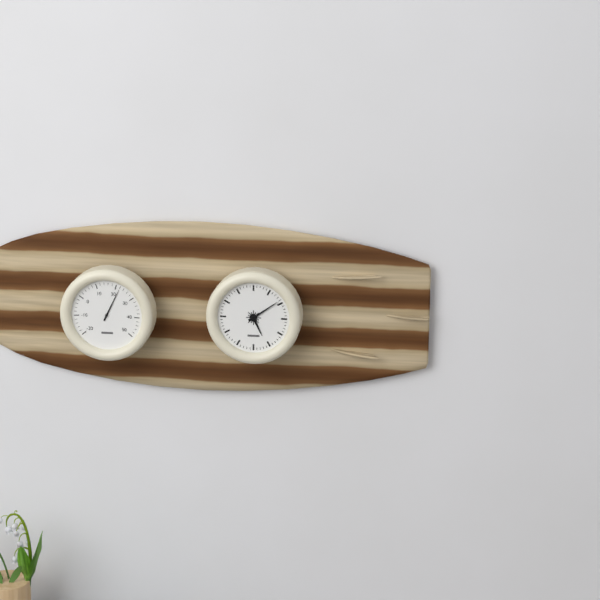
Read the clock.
5:09
